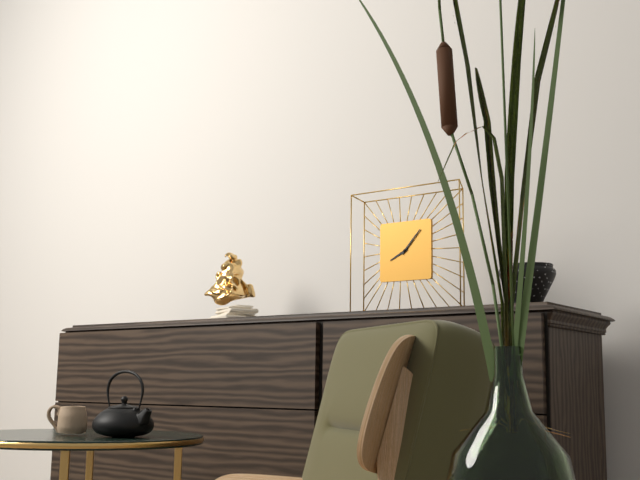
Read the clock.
8:07
